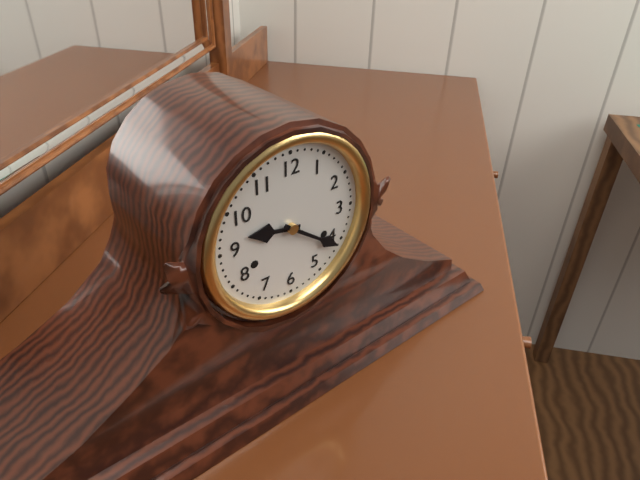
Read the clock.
9:21
